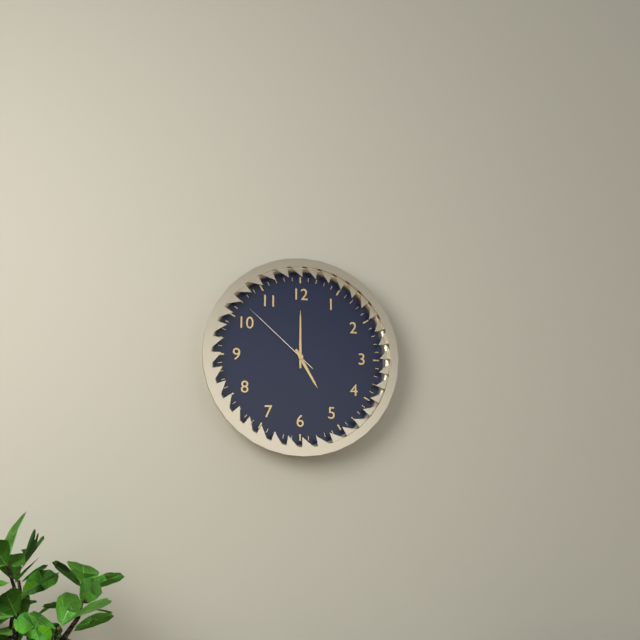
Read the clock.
5:00:52
